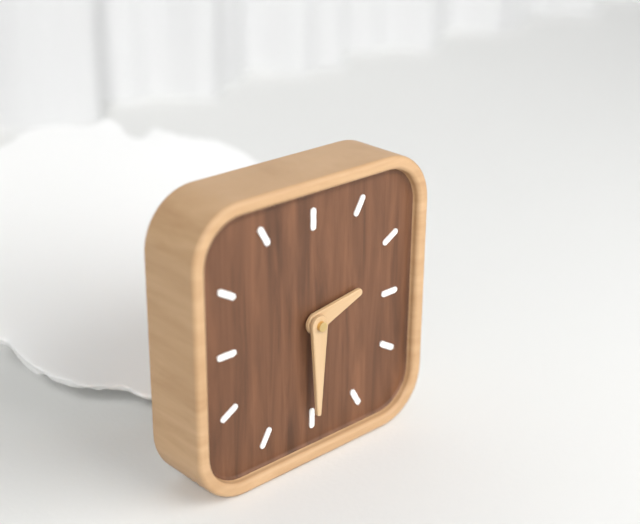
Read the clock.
2:30
